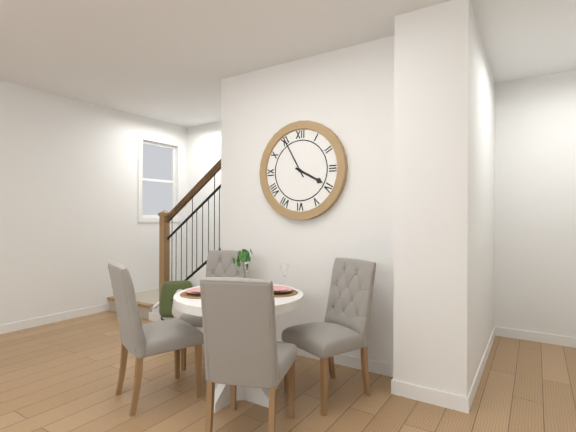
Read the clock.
3:55
